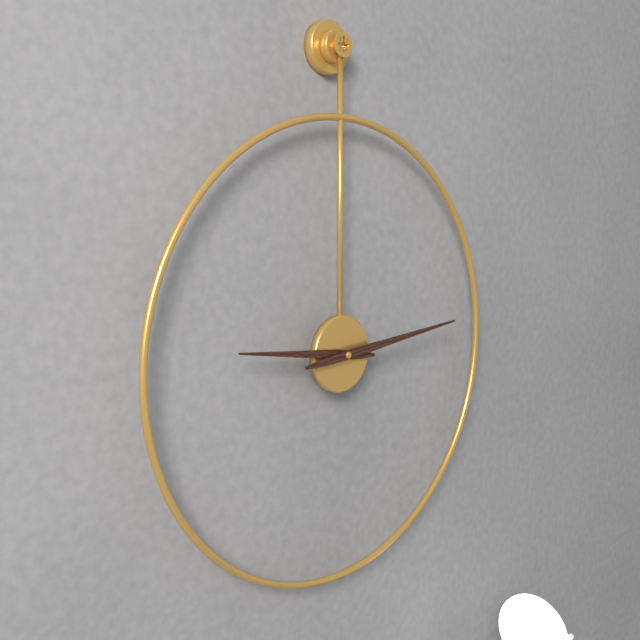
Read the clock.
9:14
